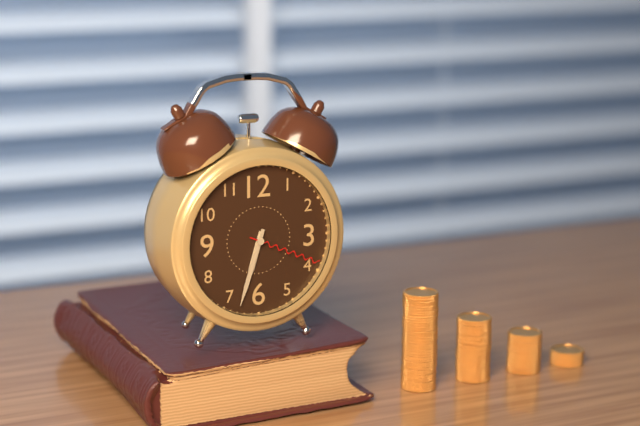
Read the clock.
6:33:19
